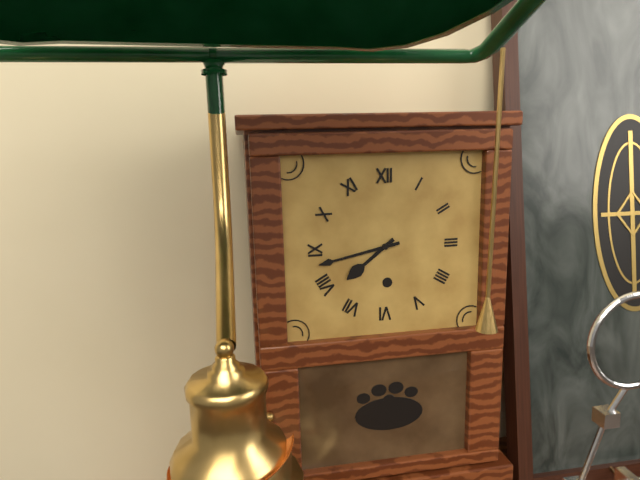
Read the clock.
7:43
